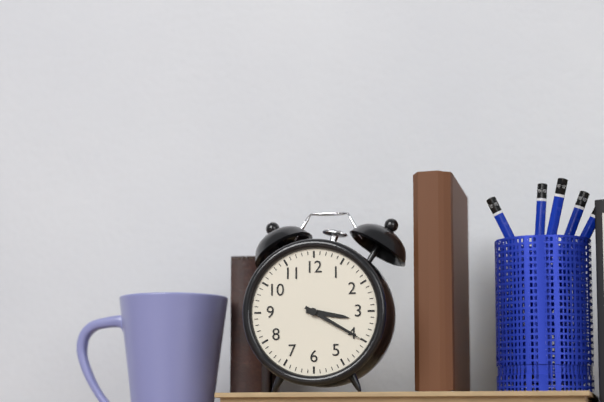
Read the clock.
3:20
